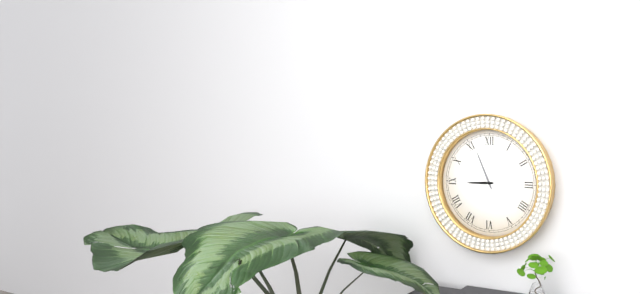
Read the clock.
8:56
